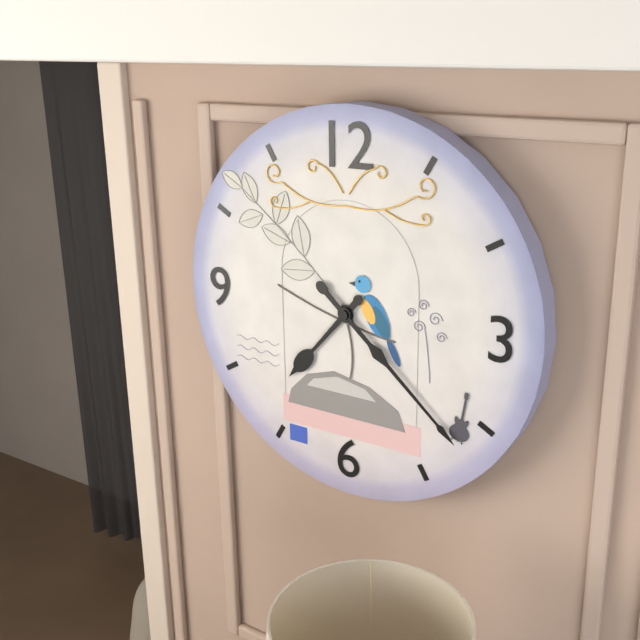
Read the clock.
7:22
